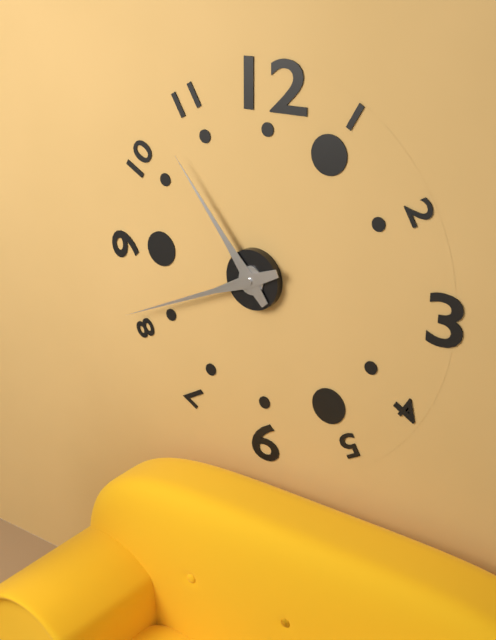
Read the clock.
10:41
